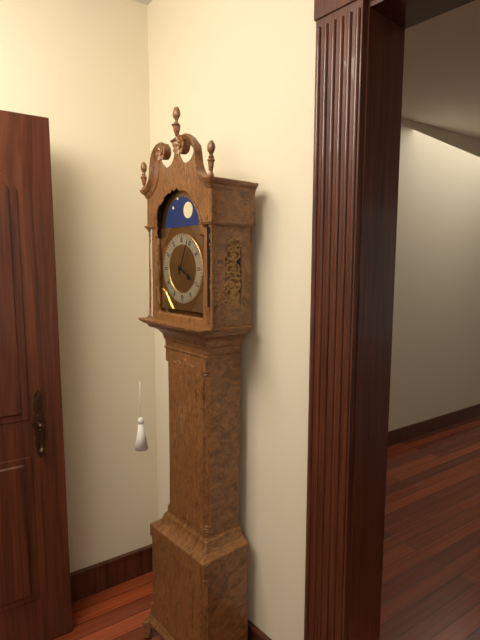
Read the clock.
4:04
